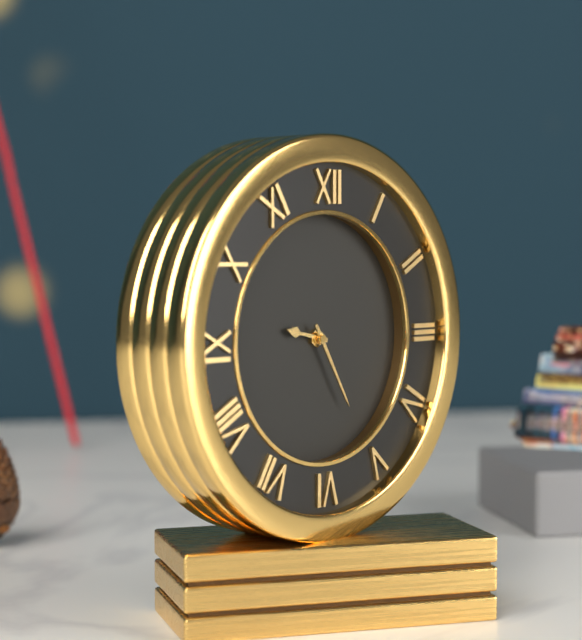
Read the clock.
9:25
